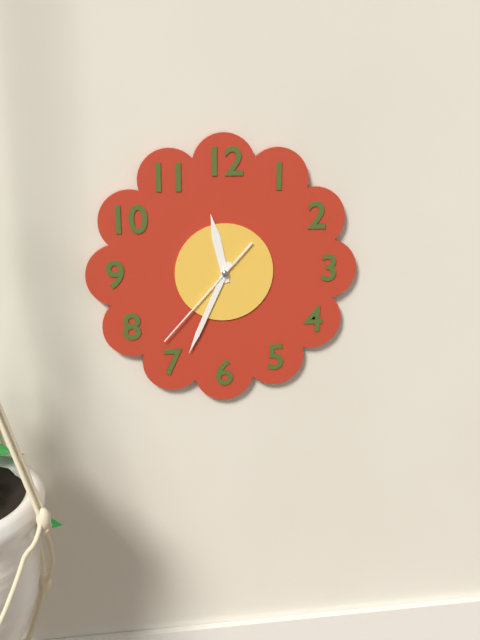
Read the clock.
11:34:37
